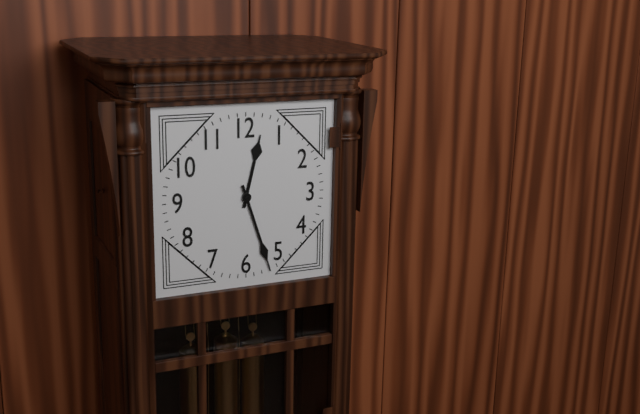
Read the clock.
12:27
